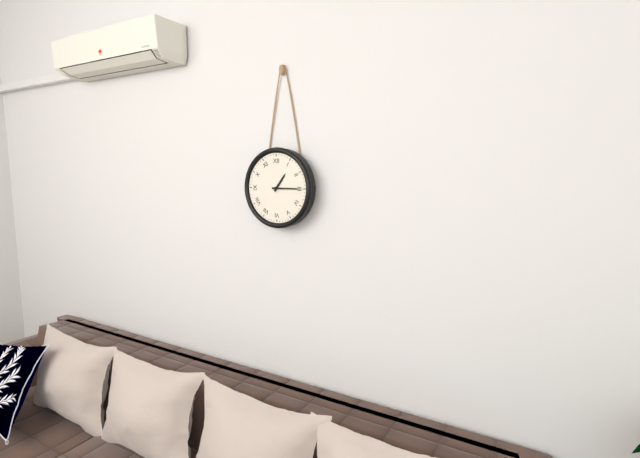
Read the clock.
1:15
